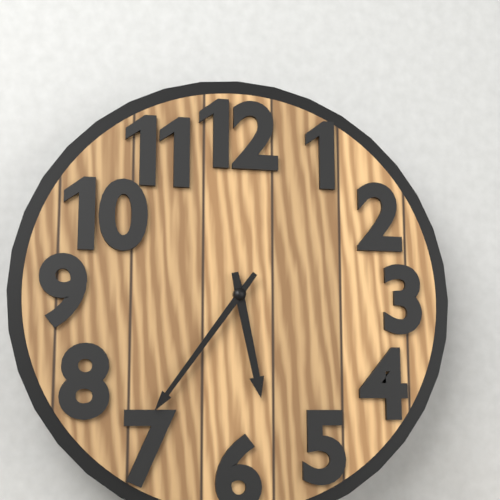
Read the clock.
5:36
